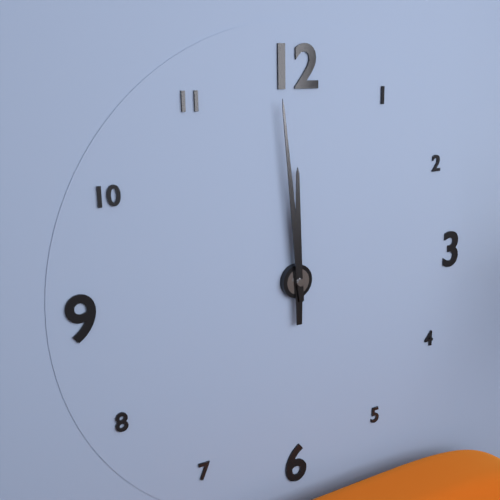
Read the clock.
11:59
